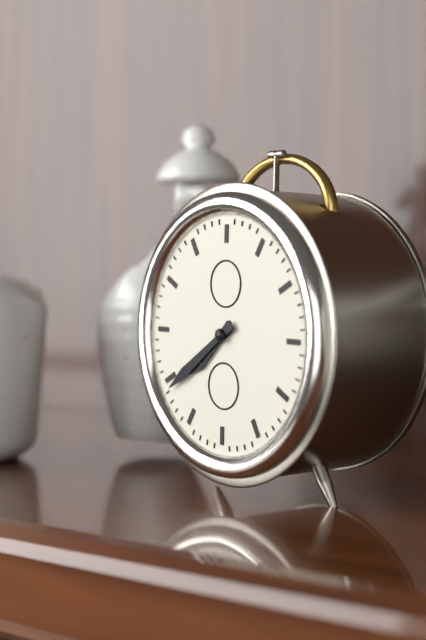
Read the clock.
7:39
